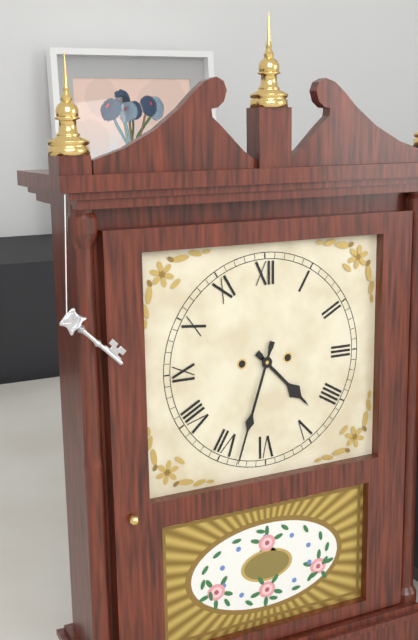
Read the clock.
4:33
